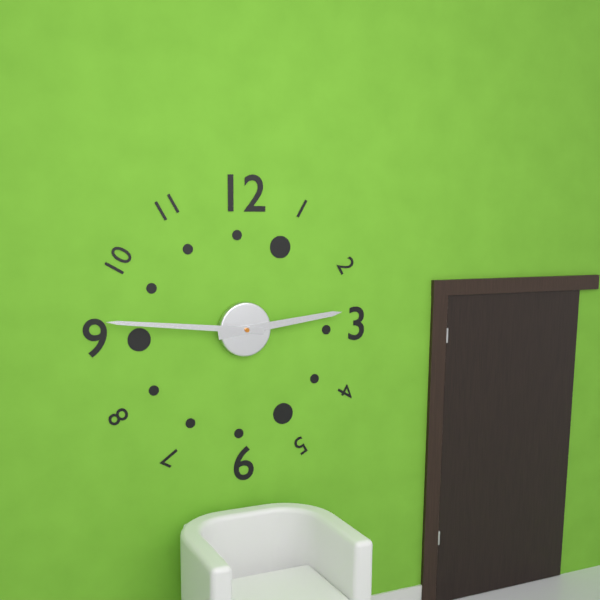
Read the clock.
2:46
